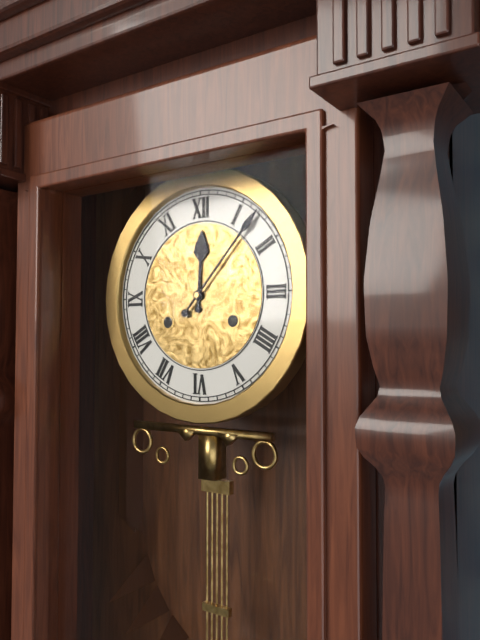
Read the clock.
12:07
